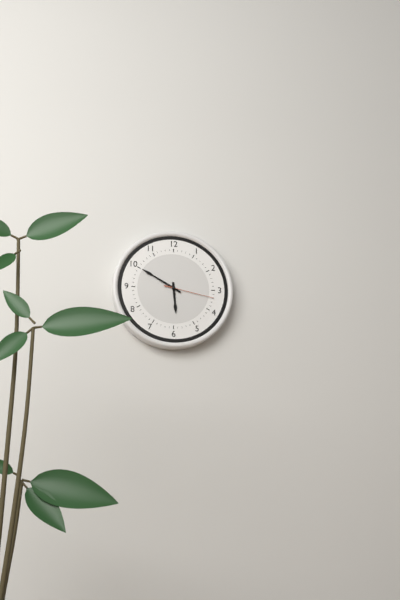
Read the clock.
5:50:17
